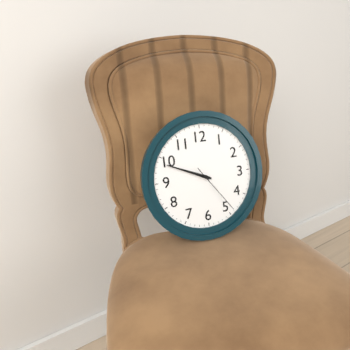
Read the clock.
9:49:24
